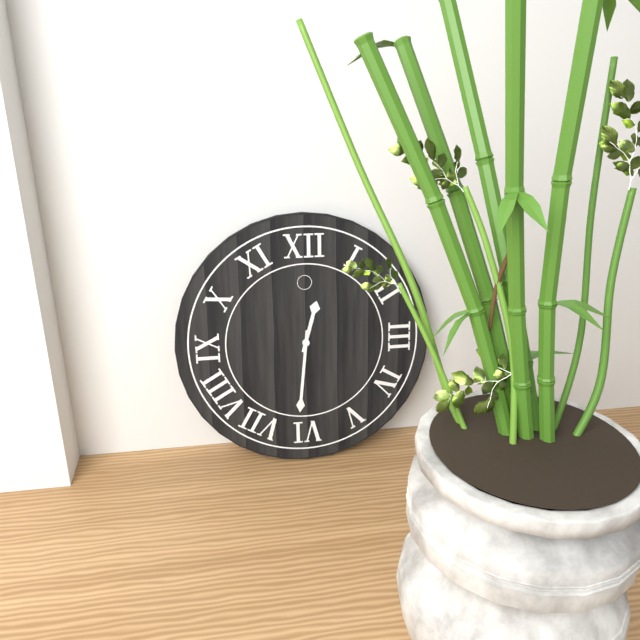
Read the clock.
12:31
